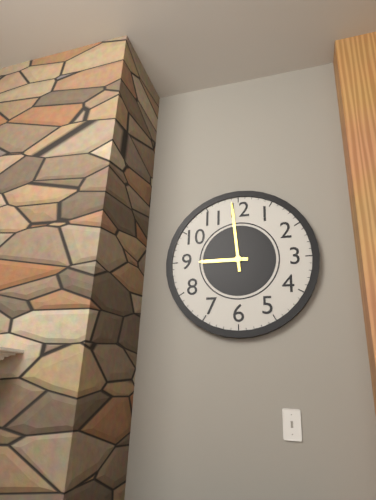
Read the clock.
8:59
